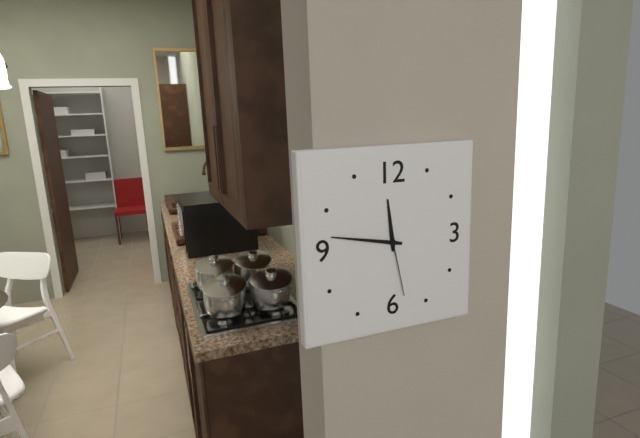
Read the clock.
11:47:28
